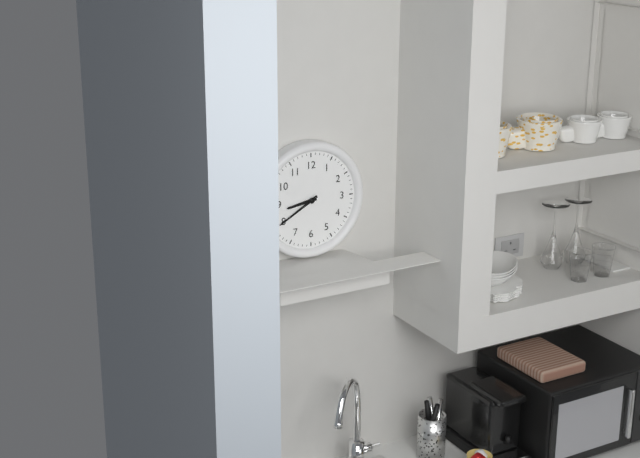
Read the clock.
8:40
